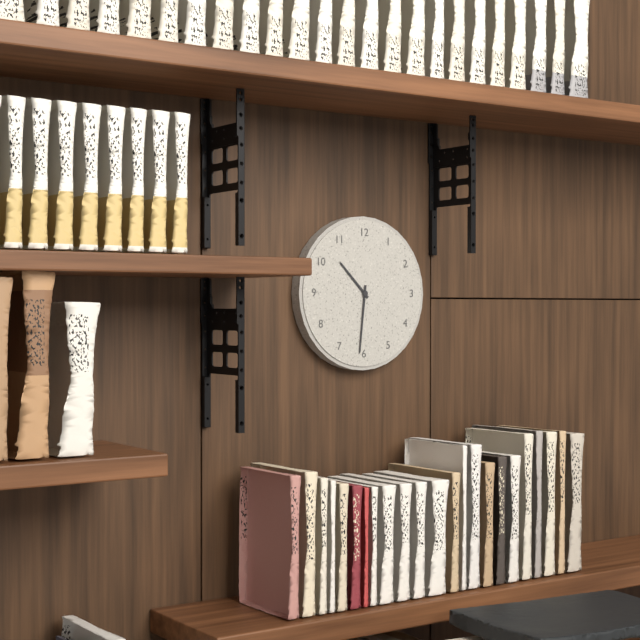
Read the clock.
10:31
